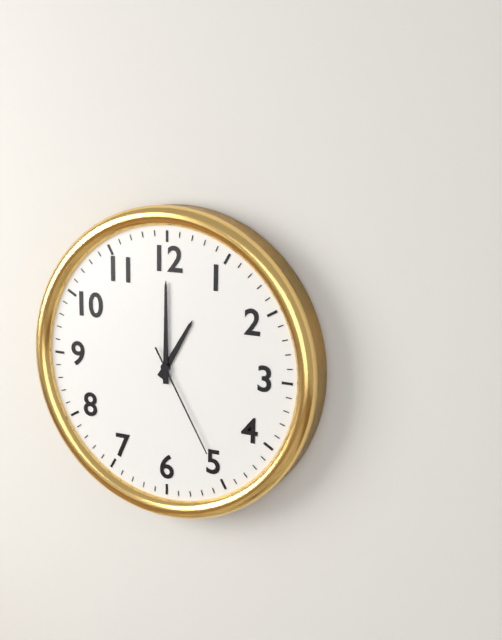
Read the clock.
1:00:25
